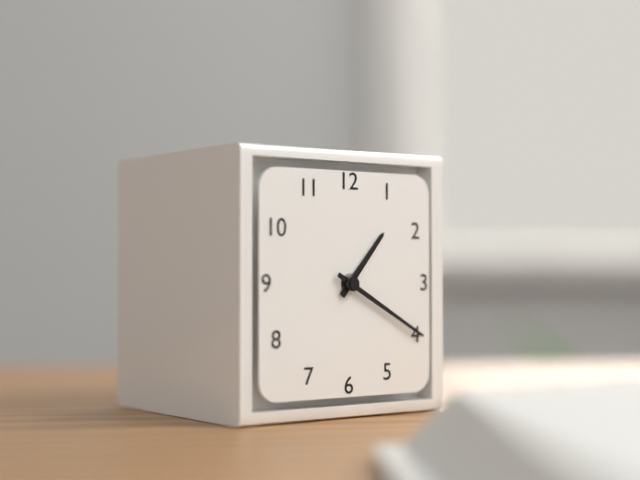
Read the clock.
1:20
